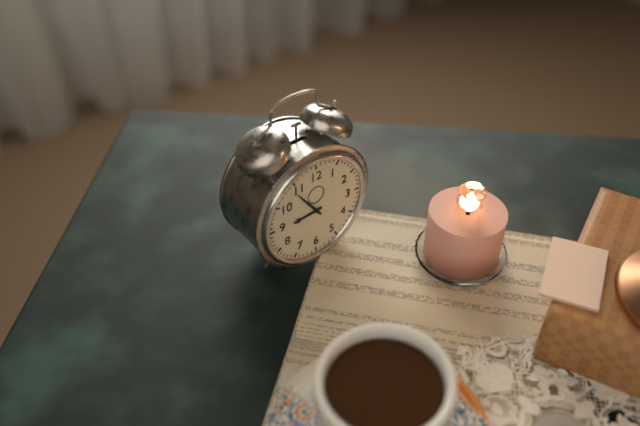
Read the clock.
8:54
